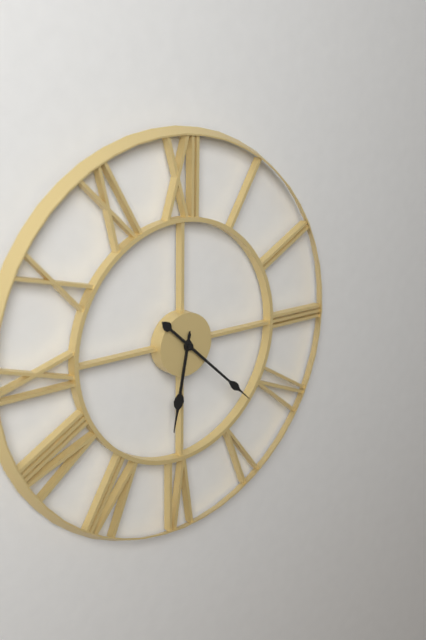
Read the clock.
6:22
